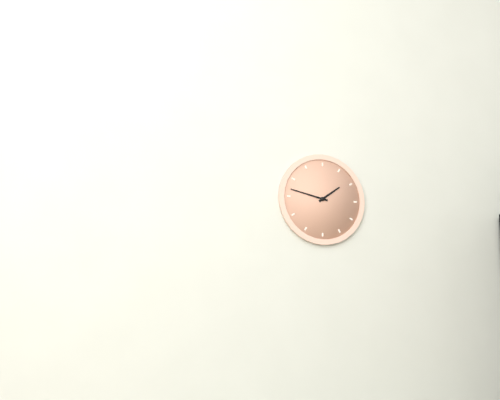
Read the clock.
1:47
